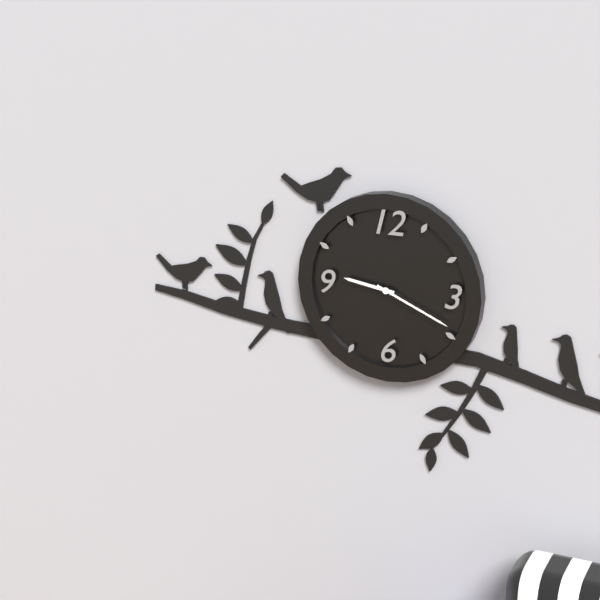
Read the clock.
9:19
